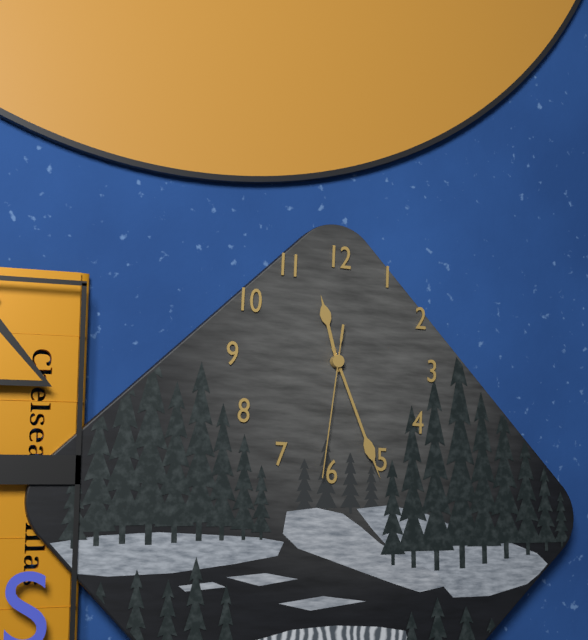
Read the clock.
11:26:31
